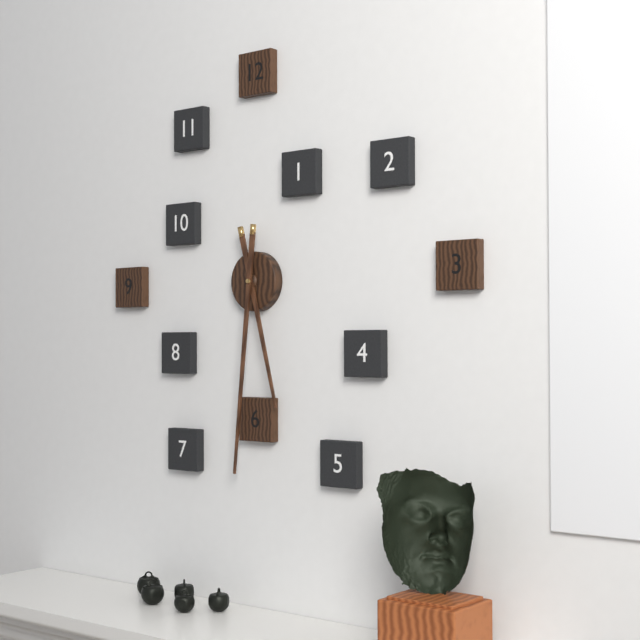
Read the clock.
5:31
